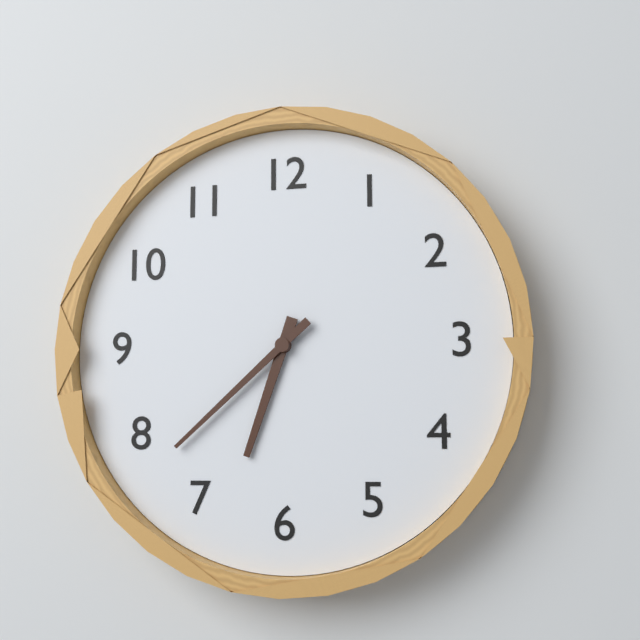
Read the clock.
6:38
